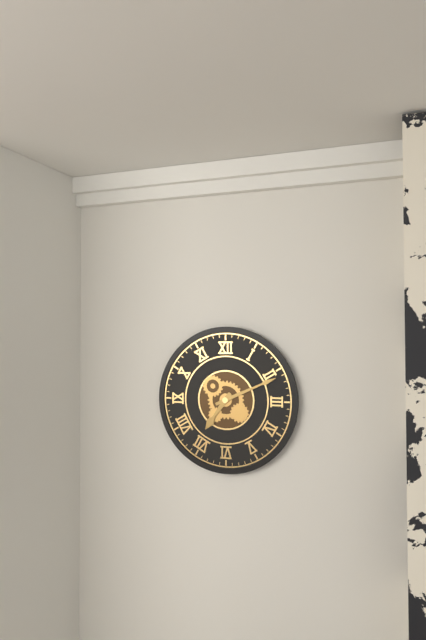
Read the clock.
7:11
